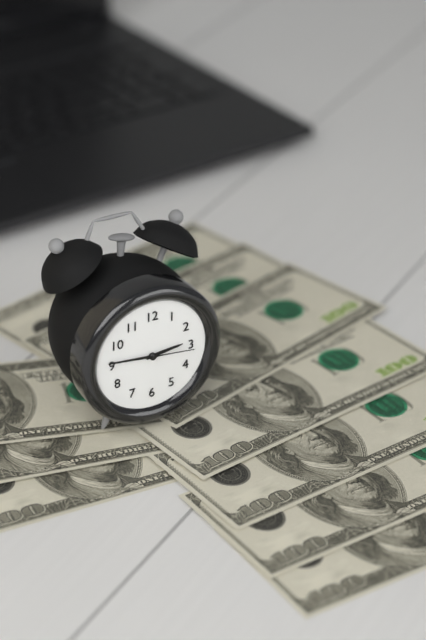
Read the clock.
2:46:16
